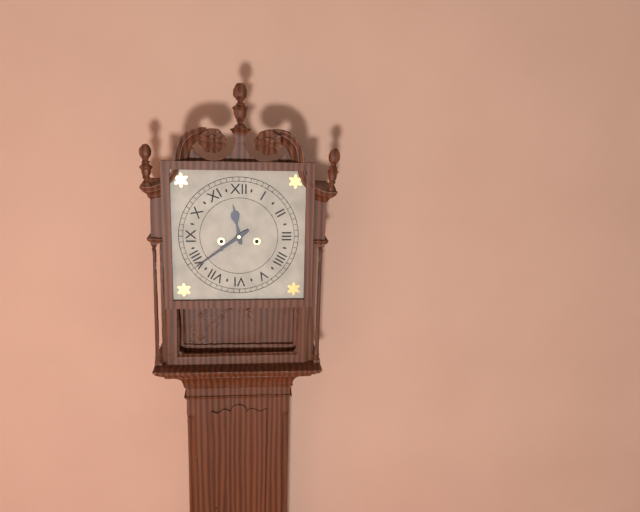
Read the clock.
11:39
